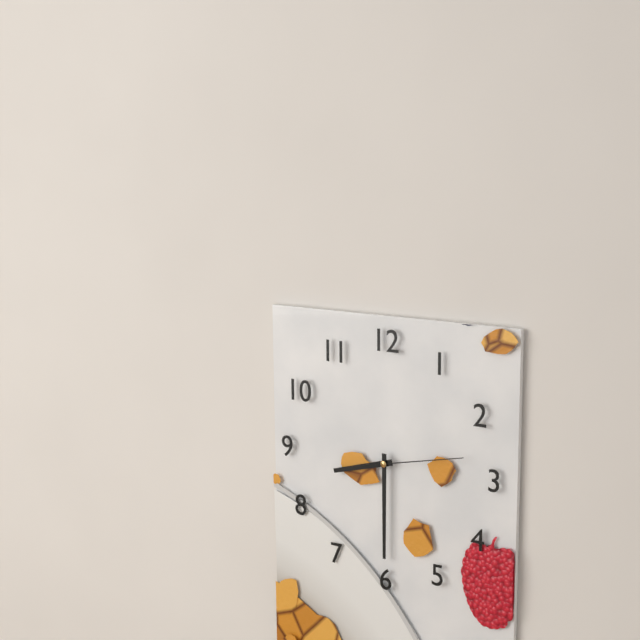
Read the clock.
8:30:13
